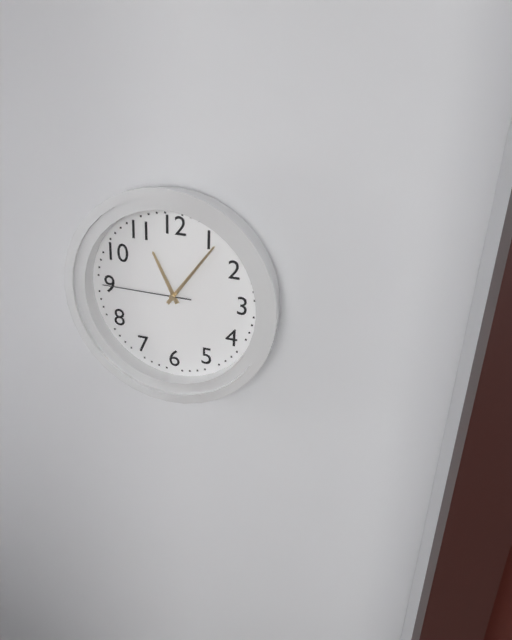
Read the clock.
11:06:45
